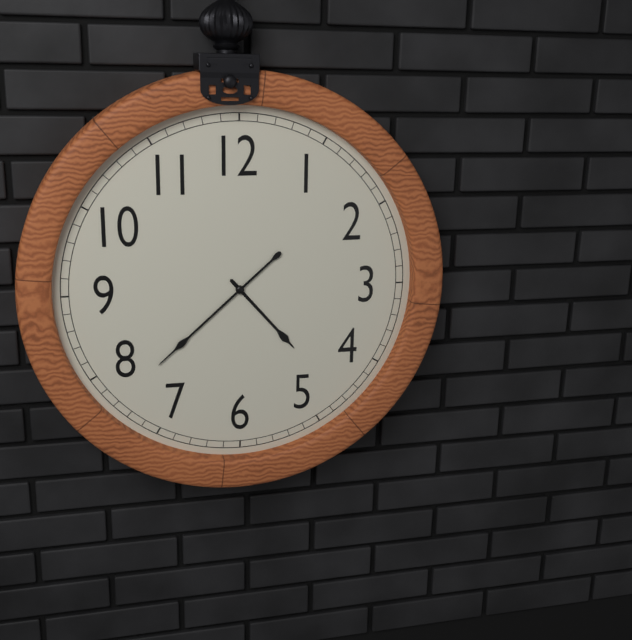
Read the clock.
4:38
